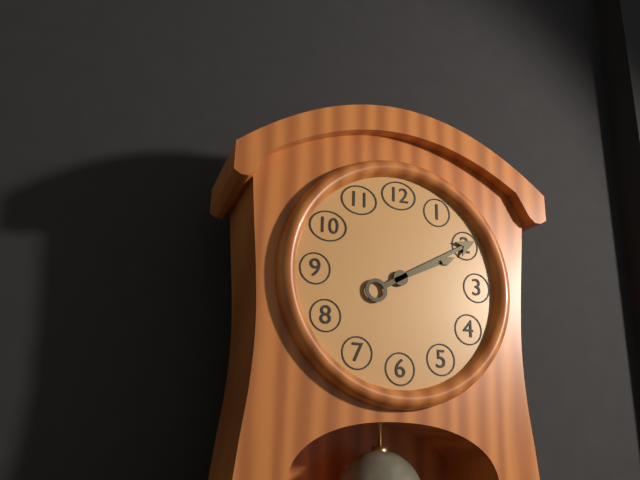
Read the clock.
2:10
